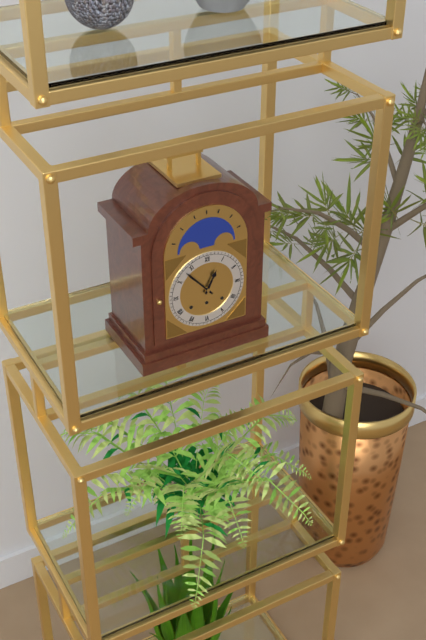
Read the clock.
12:53
